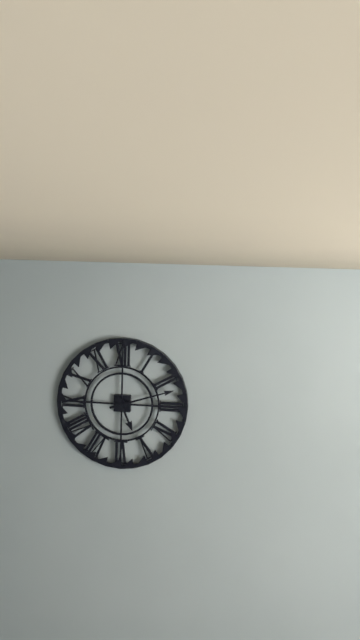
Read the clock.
5:12
